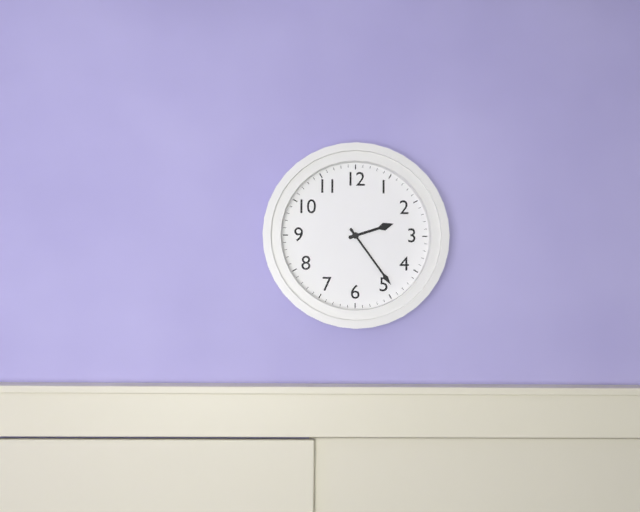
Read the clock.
2:24
